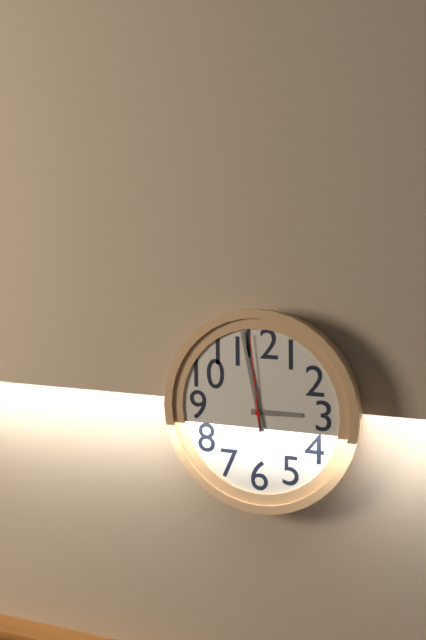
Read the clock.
2:58:59
